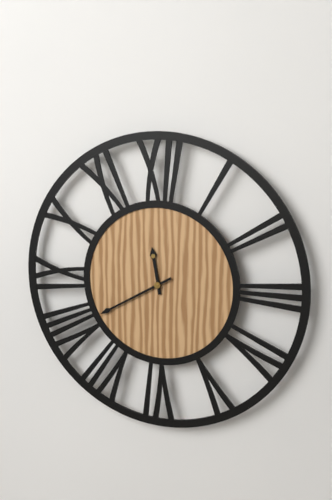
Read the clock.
11:40
